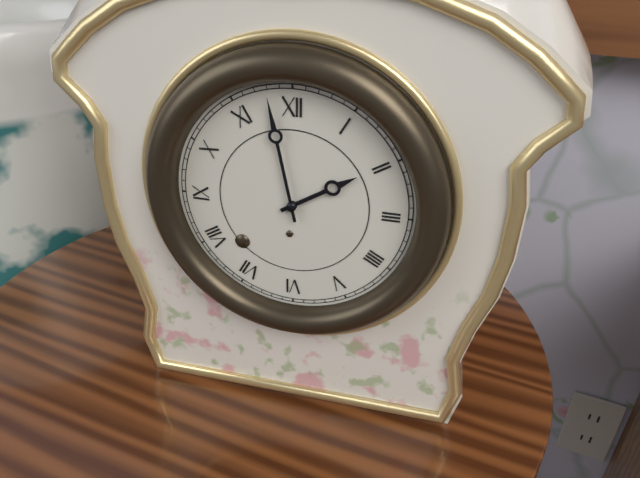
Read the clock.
1:58
